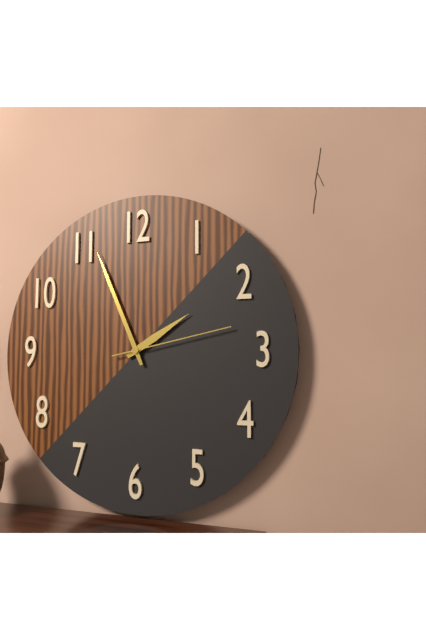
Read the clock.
1:56:13
